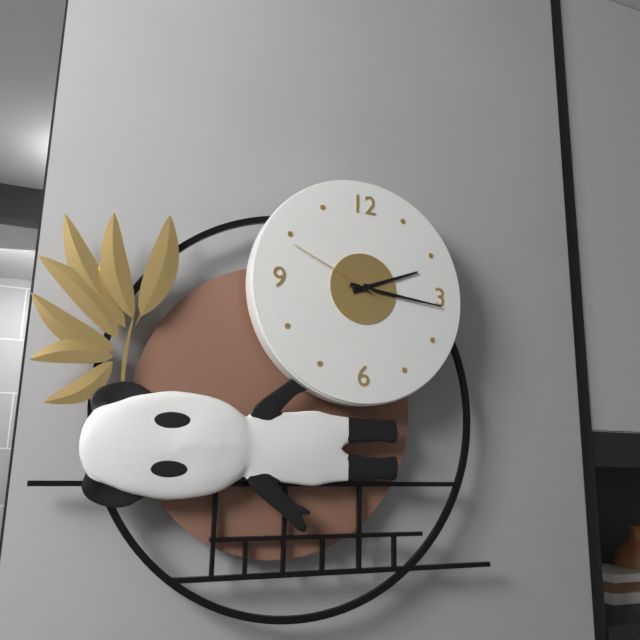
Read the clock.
2:16:49
